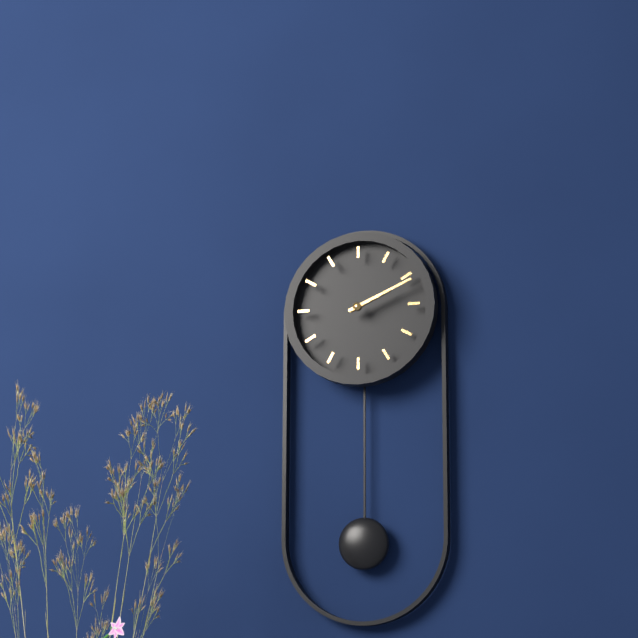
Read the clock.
2:11
